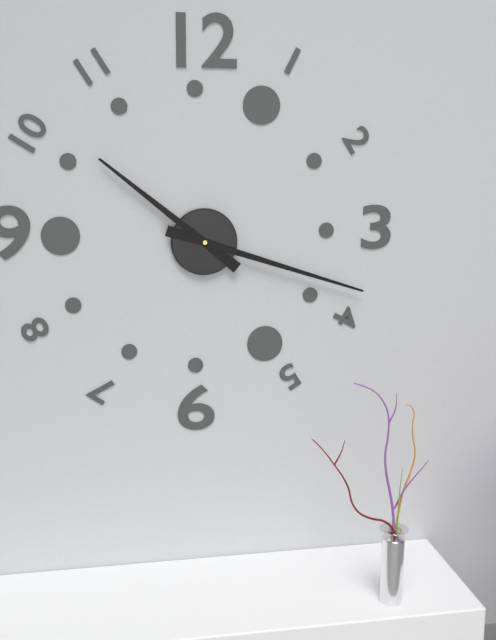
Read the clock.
10:18
